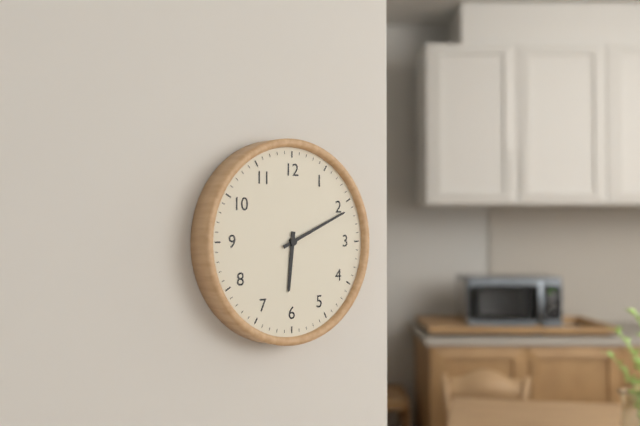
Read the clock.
6:11
